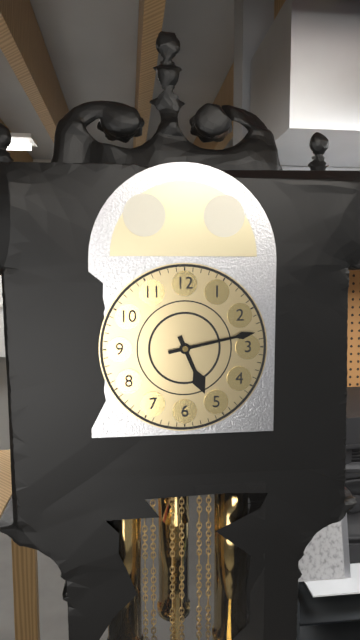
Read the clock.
5:13
